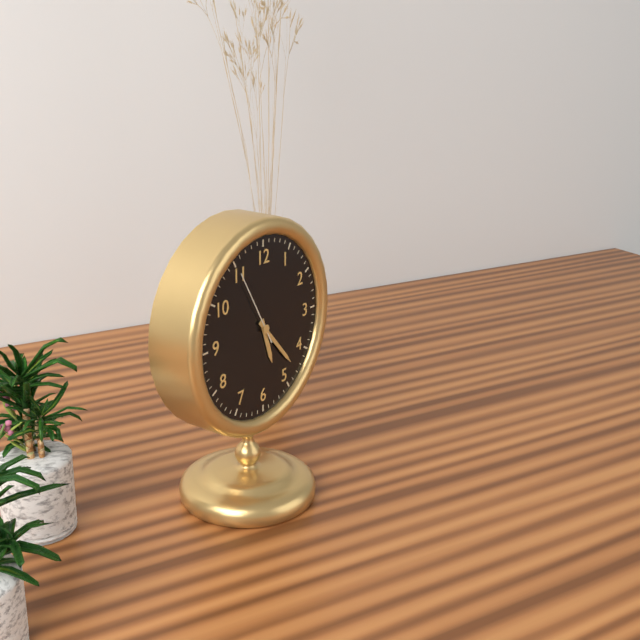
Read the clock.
5:23:55
